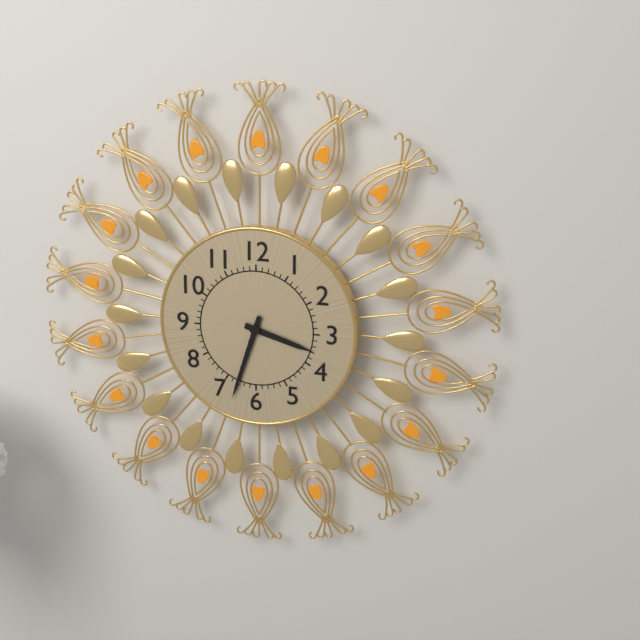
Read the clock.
3:33
